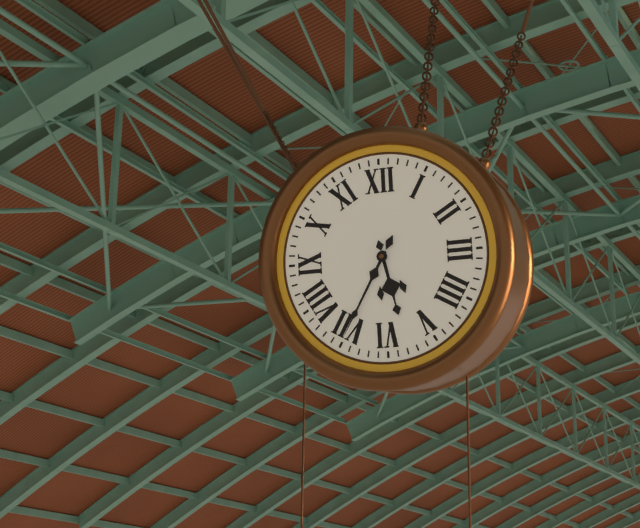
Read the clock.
5:35
